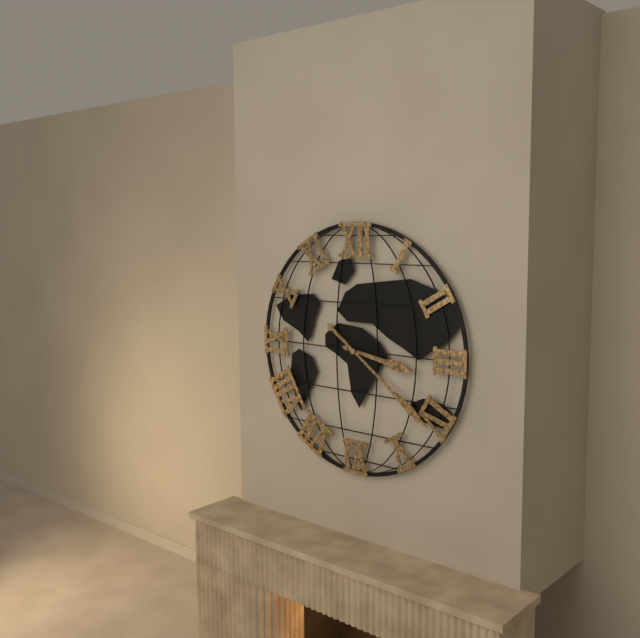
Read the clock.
3:21
